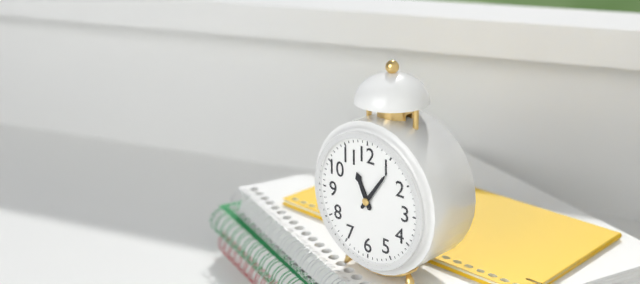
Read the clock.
11:06
